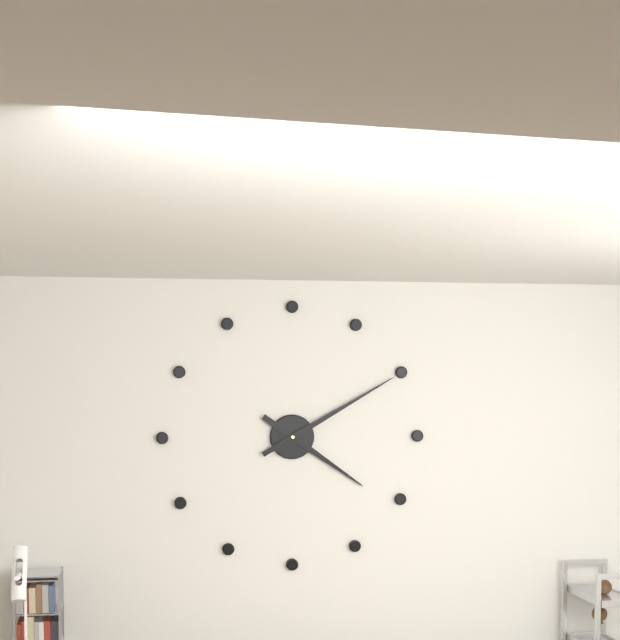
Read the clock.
4:10
